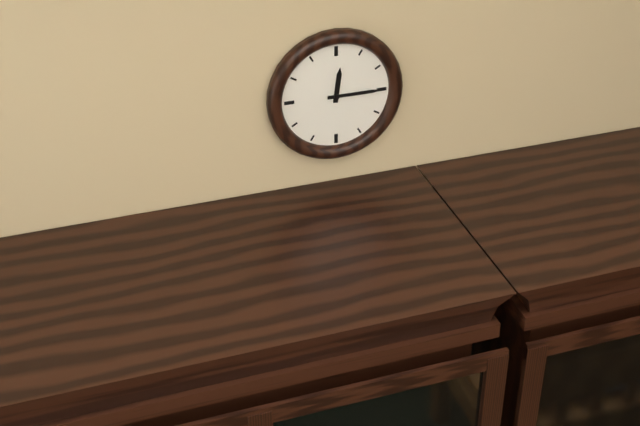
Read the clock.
12:15
